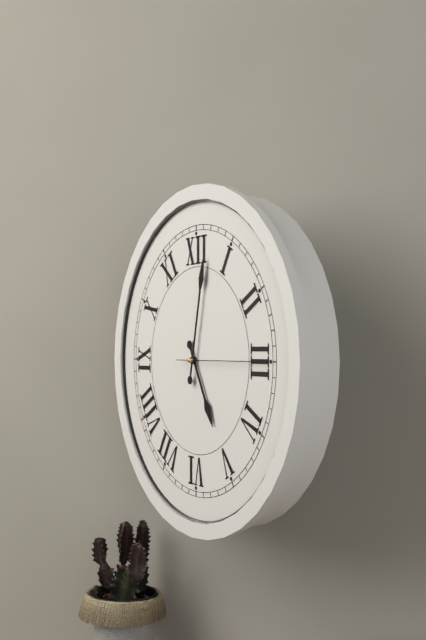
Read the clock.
5:02:15
